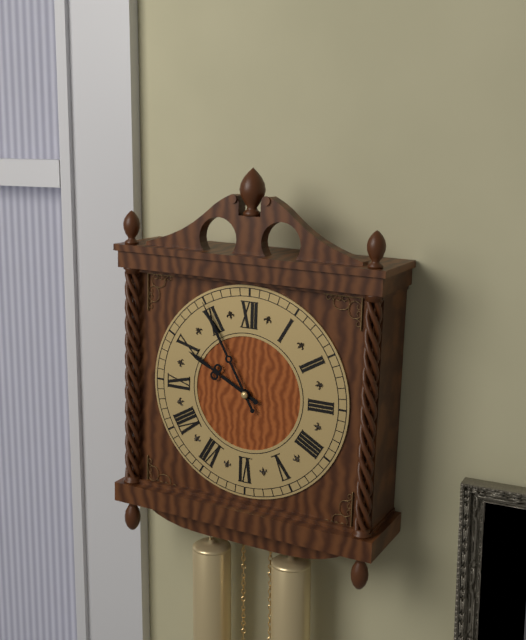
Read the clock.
9:55
